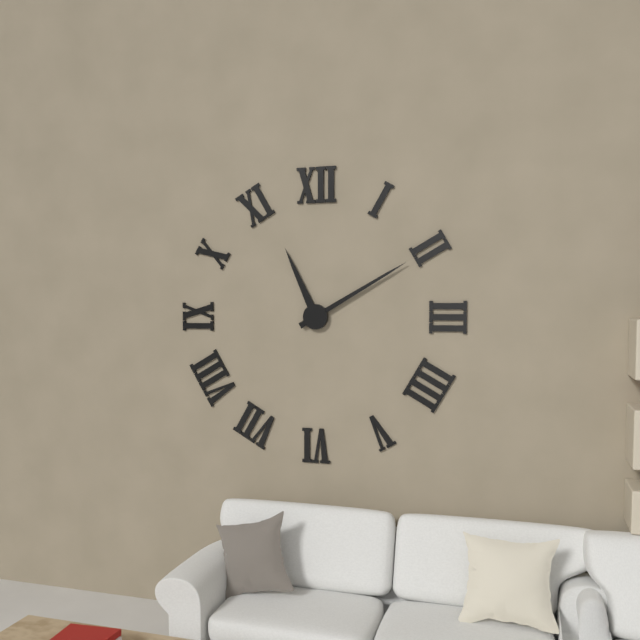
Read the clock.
11:10
